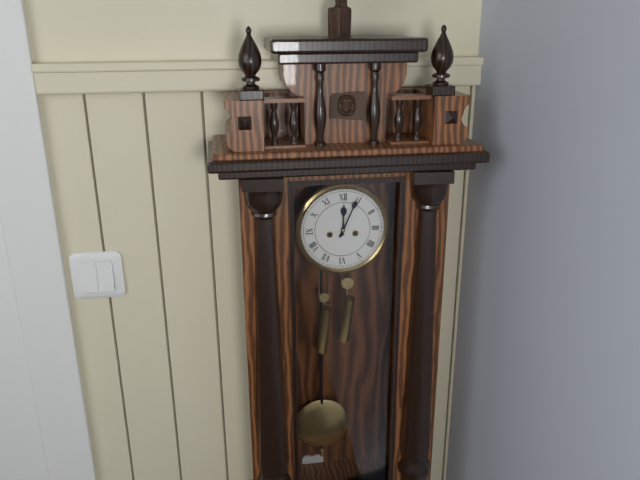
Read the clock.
12:04
